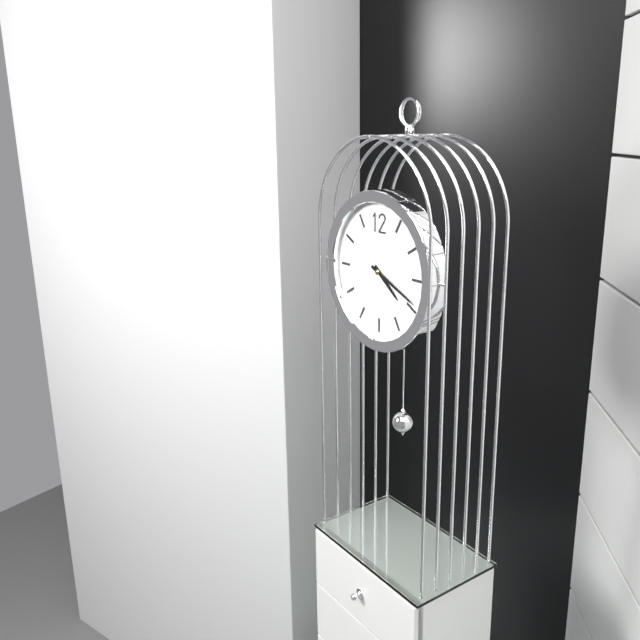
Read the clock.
4:19
